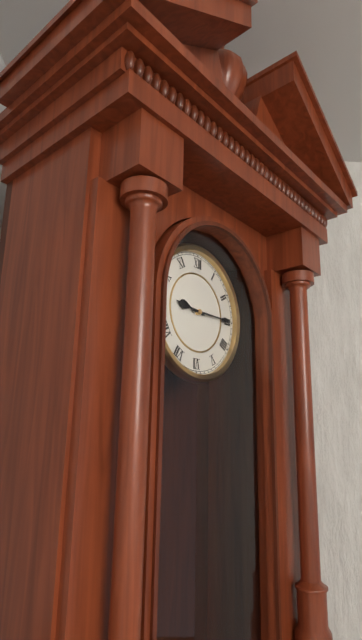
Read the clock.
9:15
